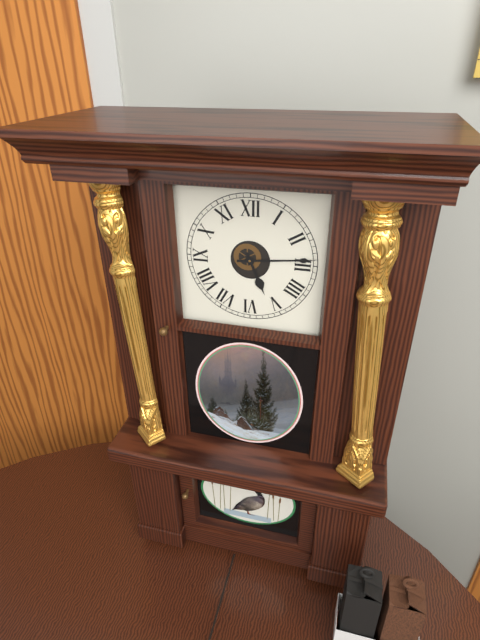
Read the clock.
5:14
